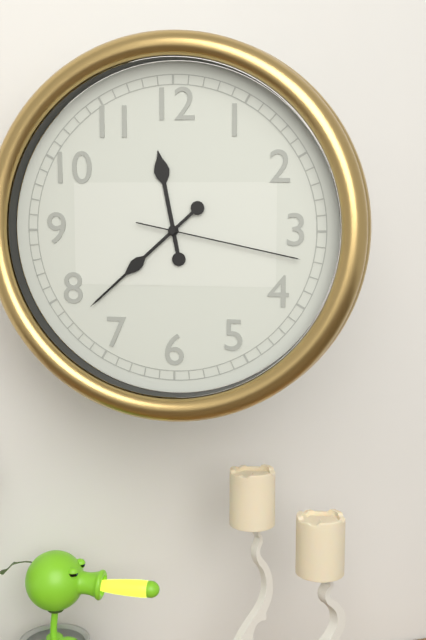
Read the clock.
11:38:17
